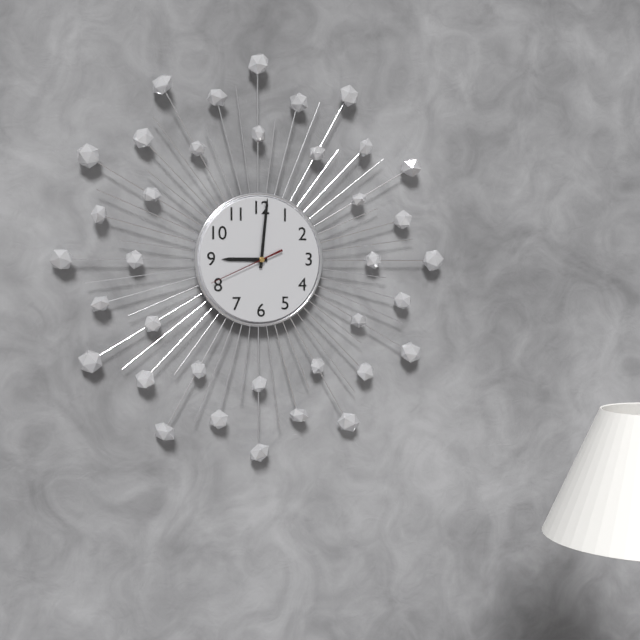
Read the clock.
9:01:41
